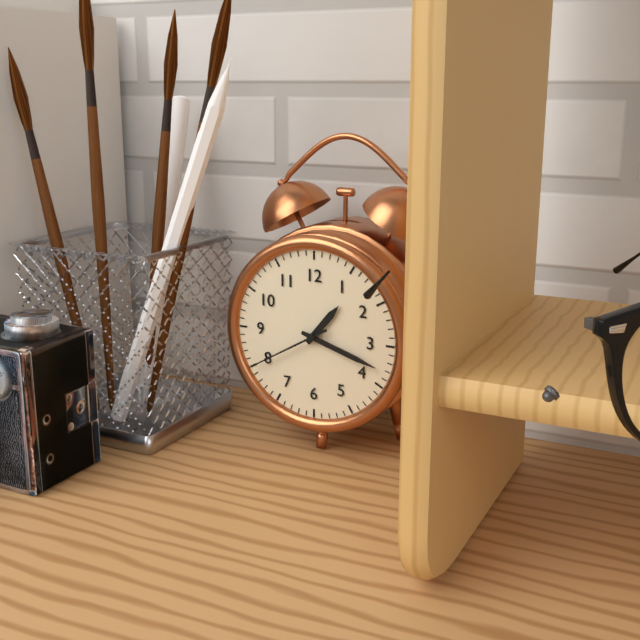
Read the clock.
1:18:40
